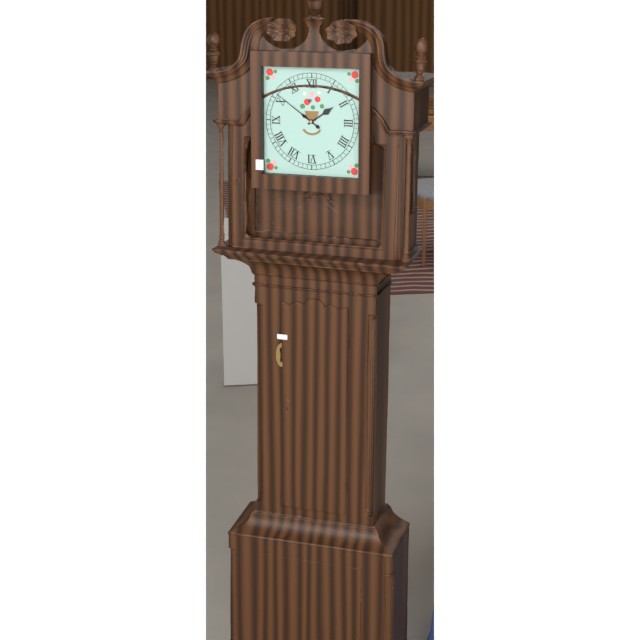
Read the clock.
1:51
